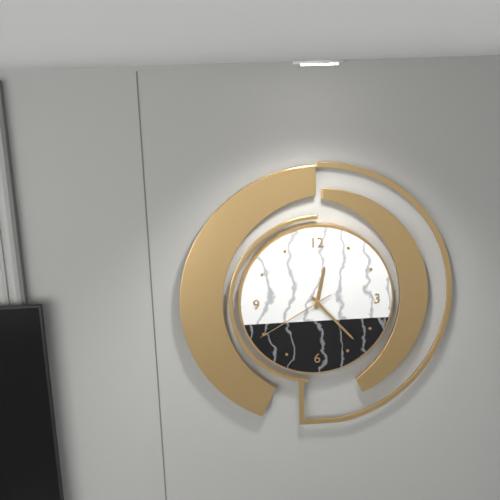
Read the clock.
12:23:40
